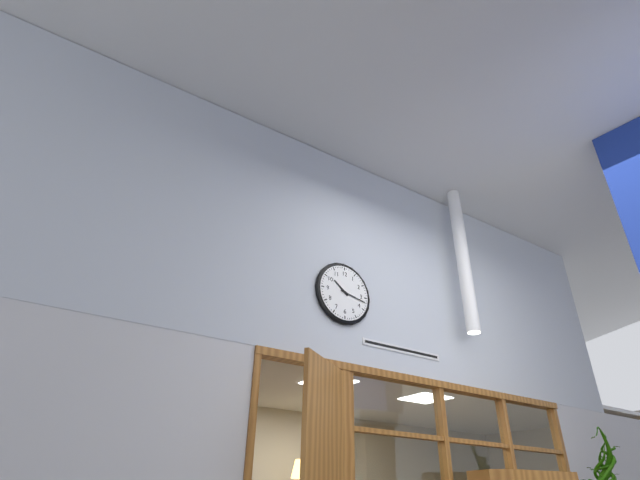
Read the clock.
10:17
